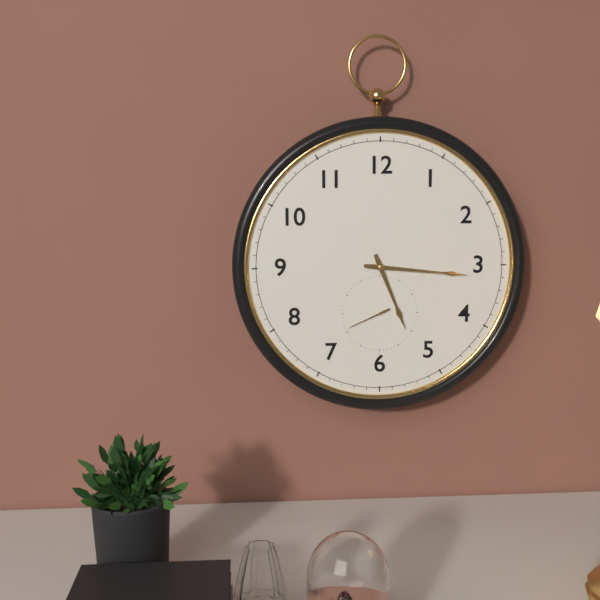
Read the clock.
5:16
